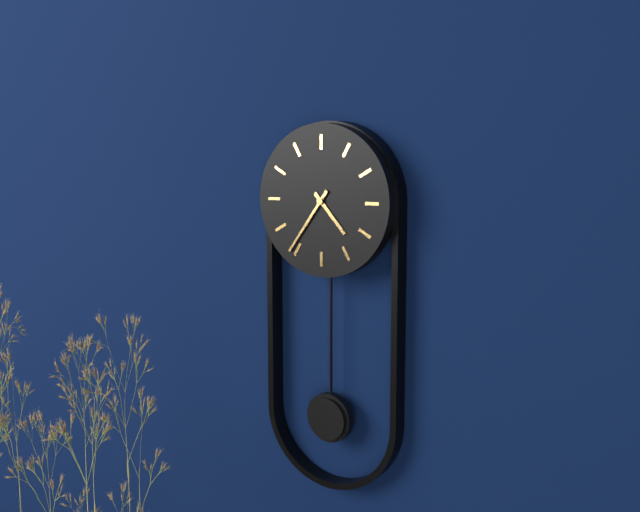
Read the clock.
4:36
